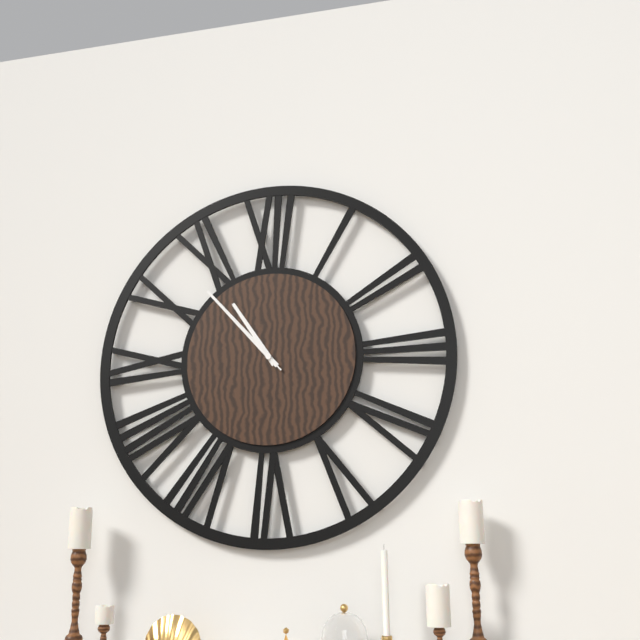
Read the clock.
10:53:53
